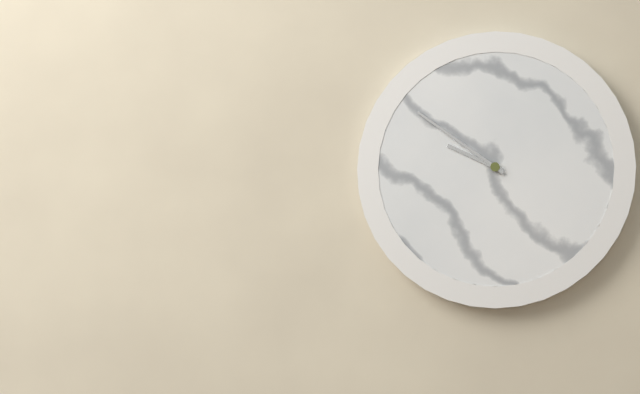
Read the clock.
9:51
